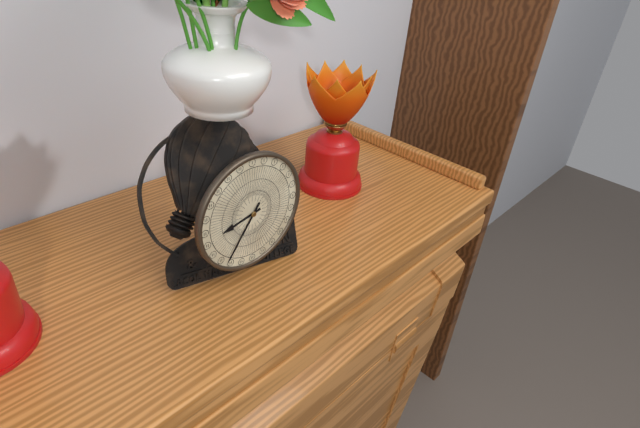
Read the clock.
8:36
